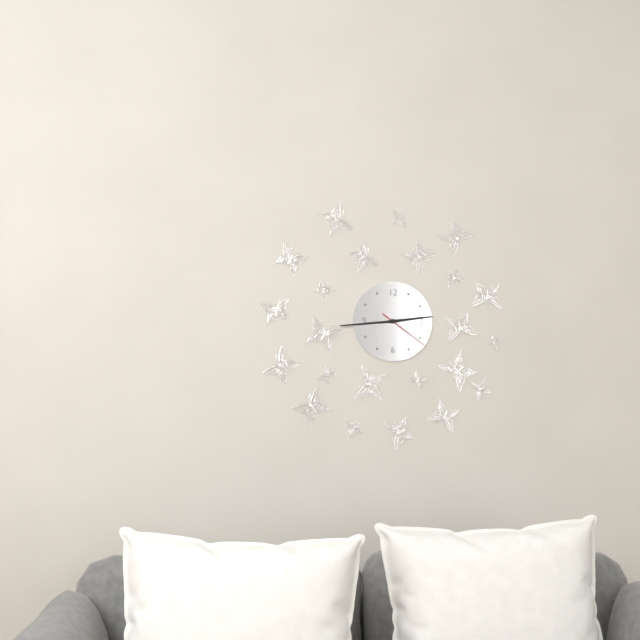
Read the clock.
2:44:21
